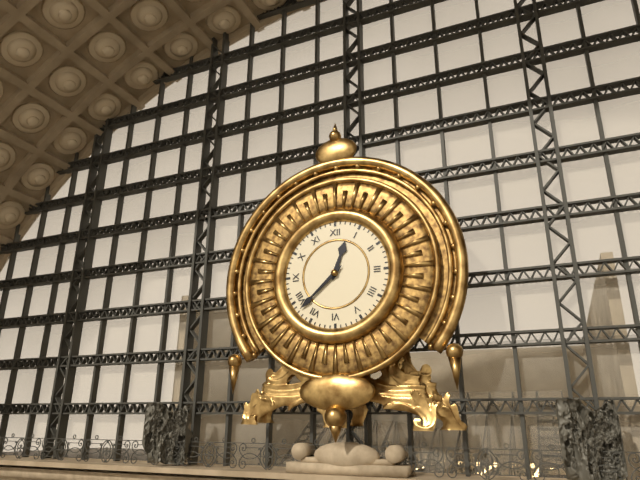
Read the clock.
12:38
